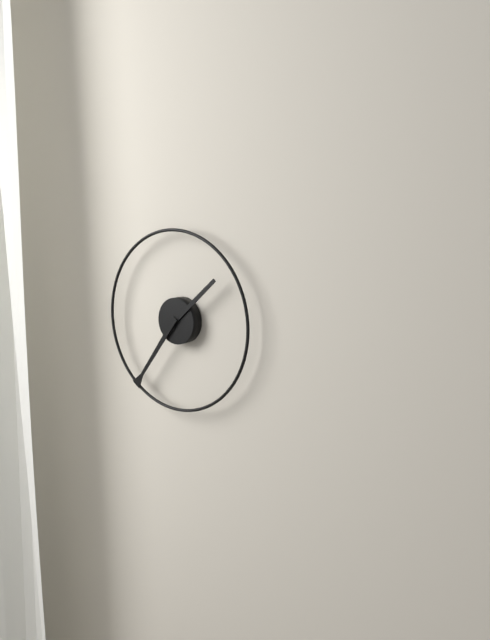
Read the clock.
1:36
